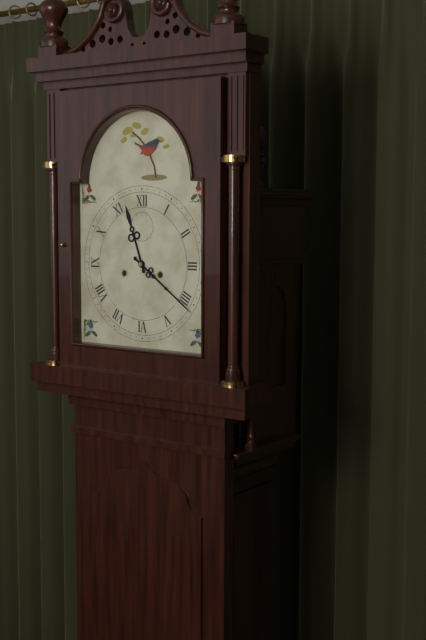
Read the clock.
11:21
